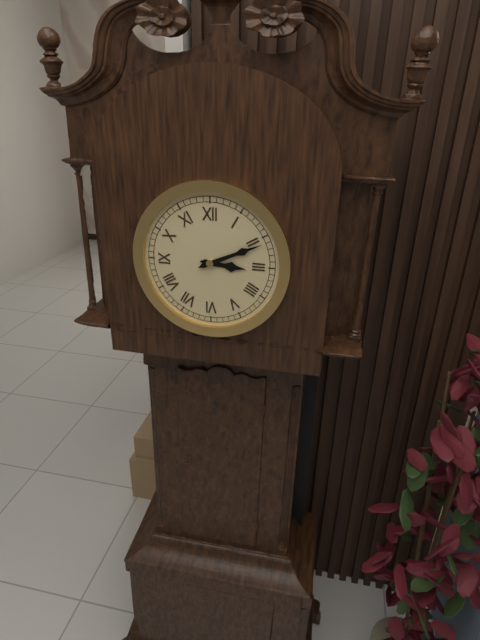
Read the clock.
3:11
